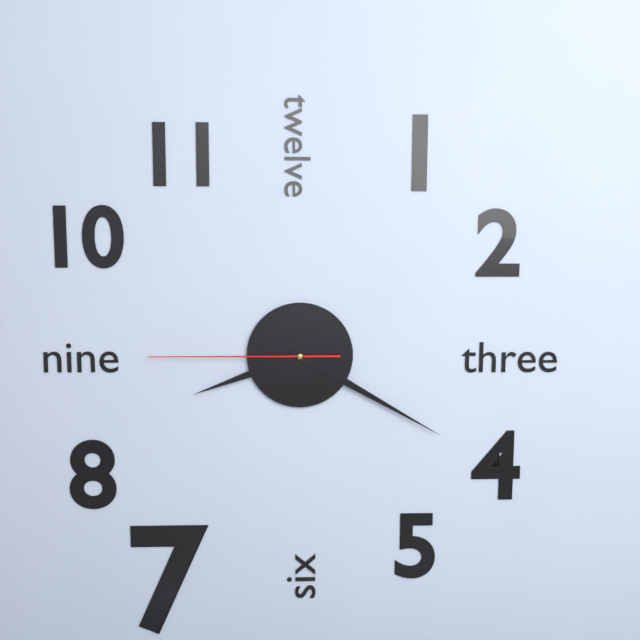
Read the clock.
8:20:45
